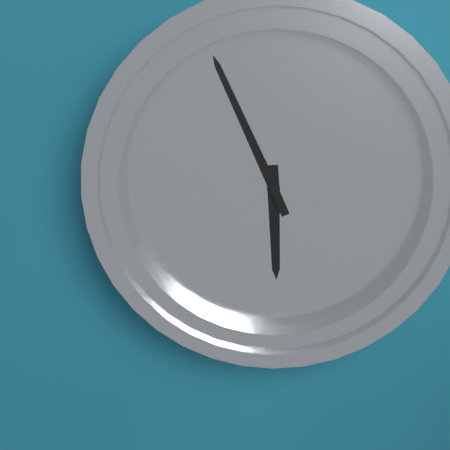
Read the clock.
5:56
